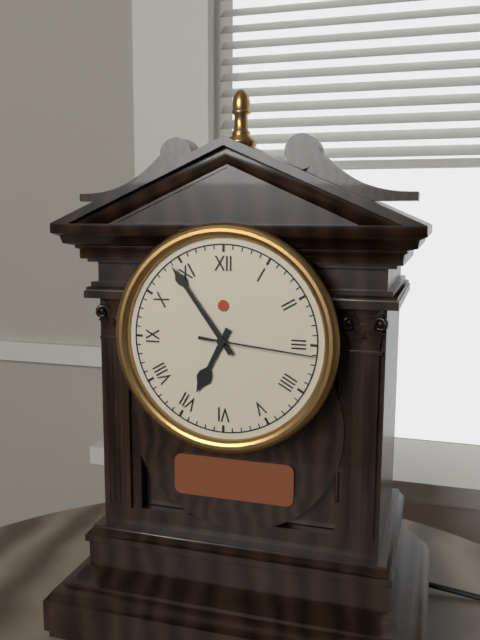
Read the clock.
6:54:16
